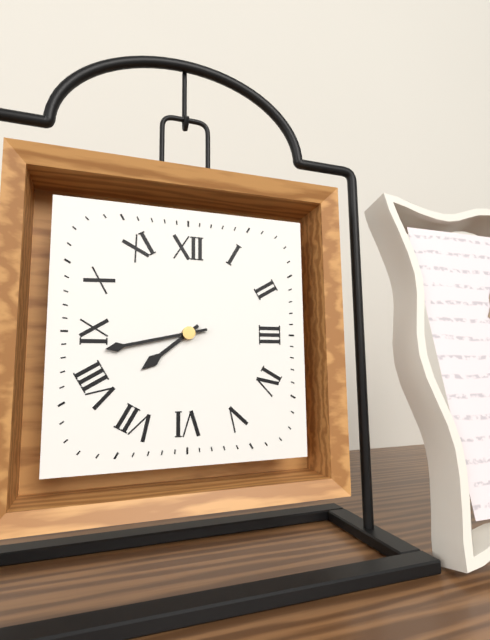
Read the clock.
7:43
